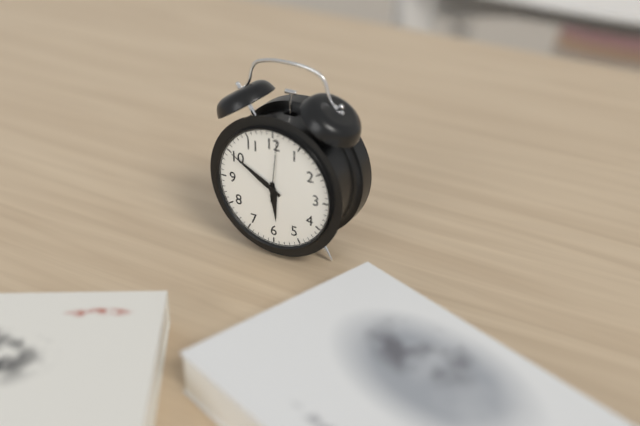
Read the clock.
5:50
